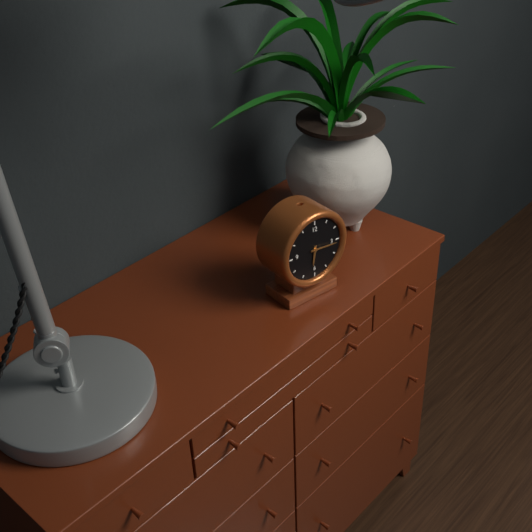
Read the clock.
6:16
